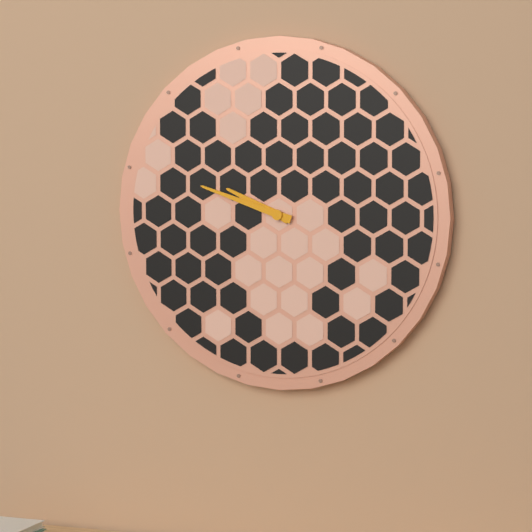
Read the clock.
9:48
